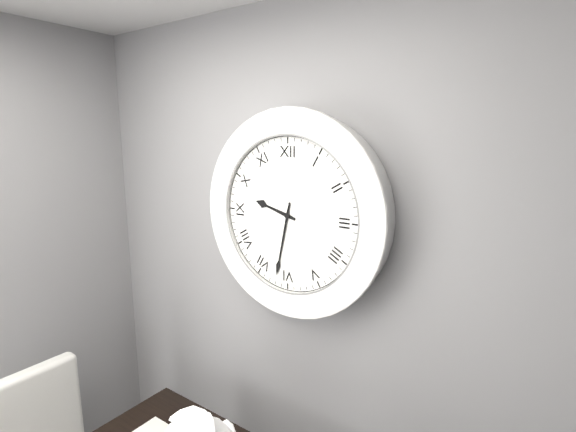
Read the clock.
9:32
